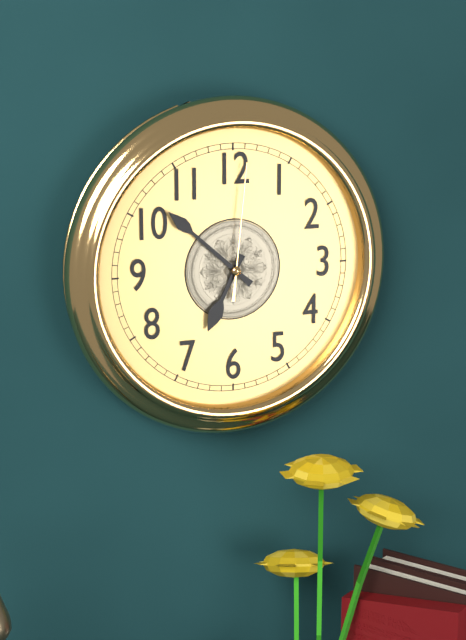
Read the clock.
6:52:01
